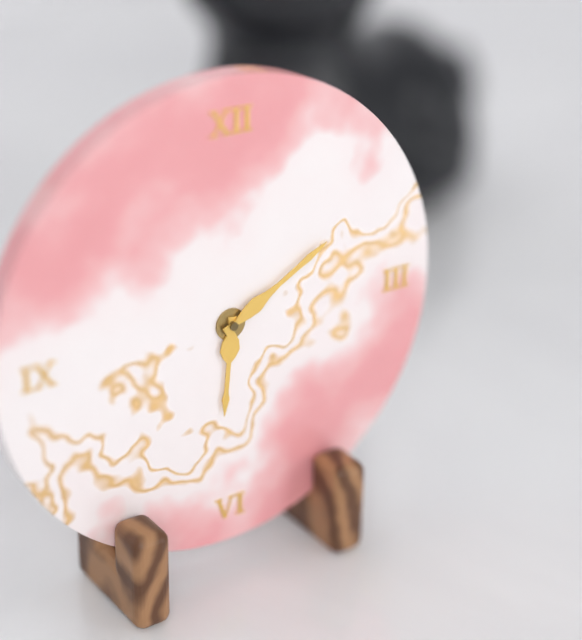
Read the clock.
6:10
